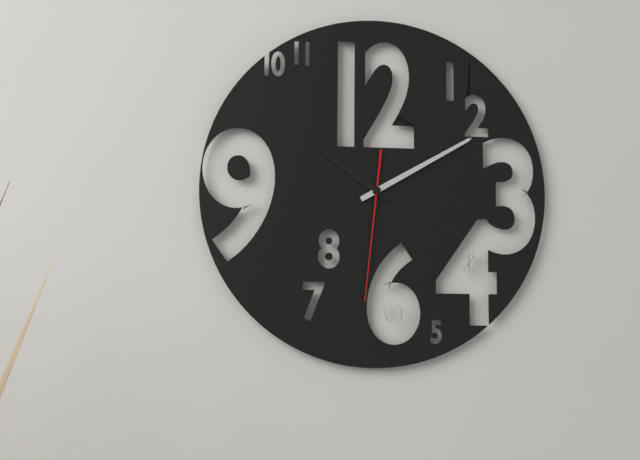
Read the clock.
10:10:31
